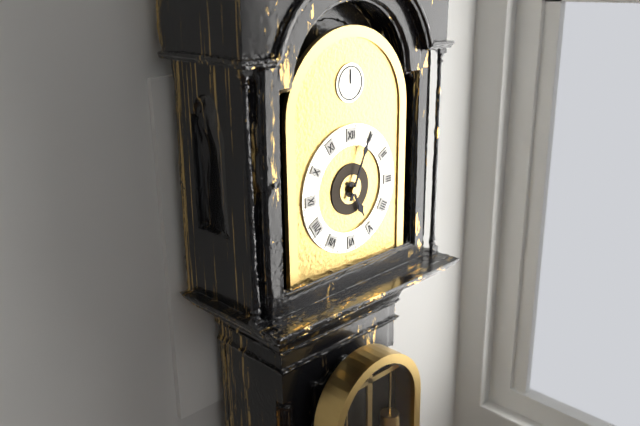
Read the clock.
5:04
